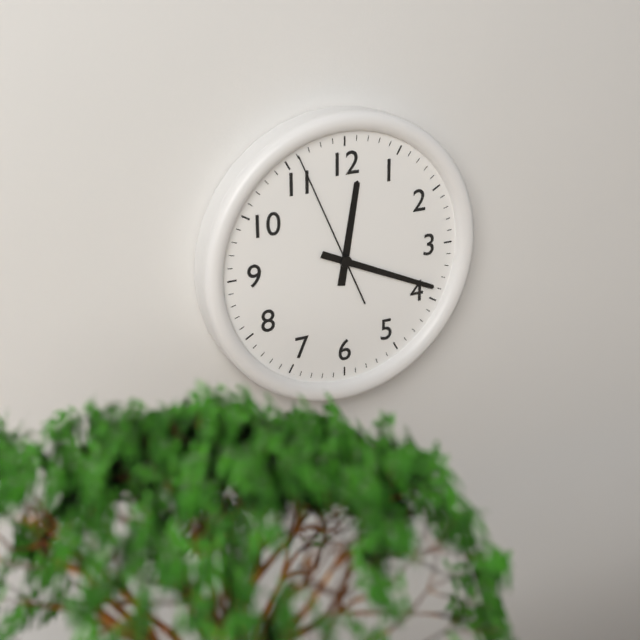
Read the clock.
12:19:56
